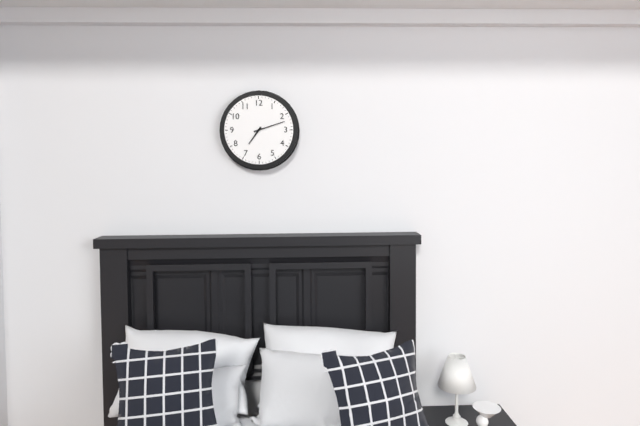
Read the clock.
7:12
